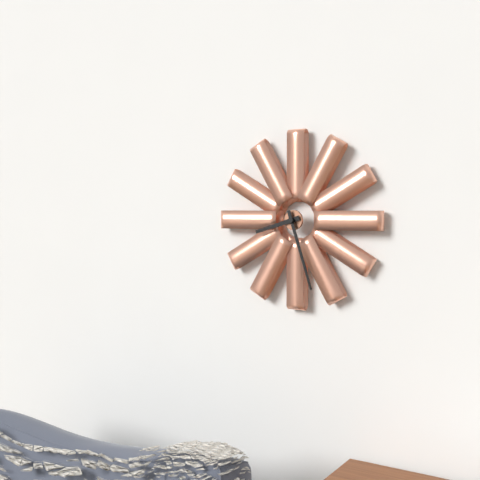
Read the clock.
8:27
